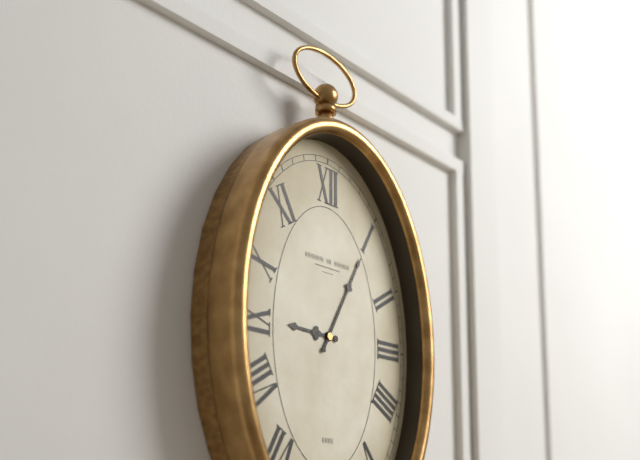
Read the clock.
9:05
